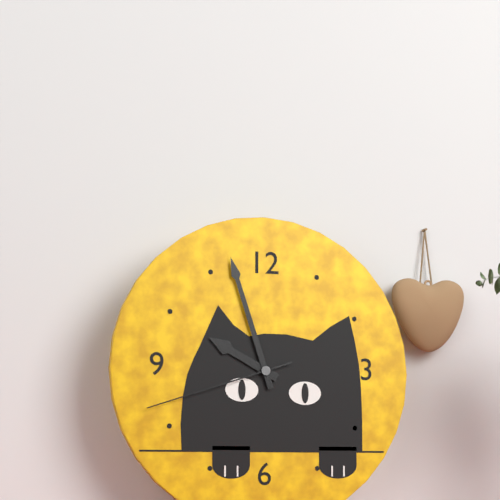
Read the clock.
9:57:42
